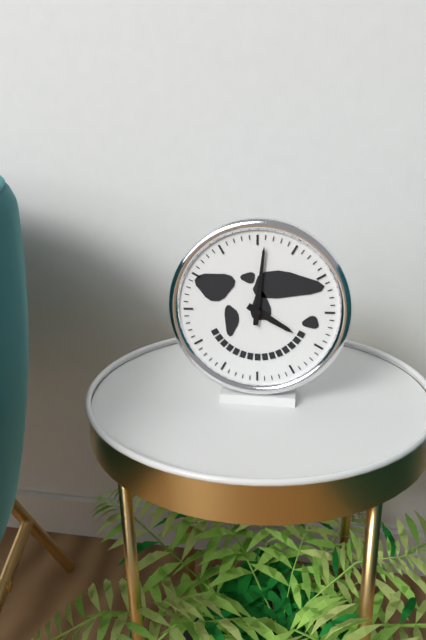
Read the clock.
4:01
